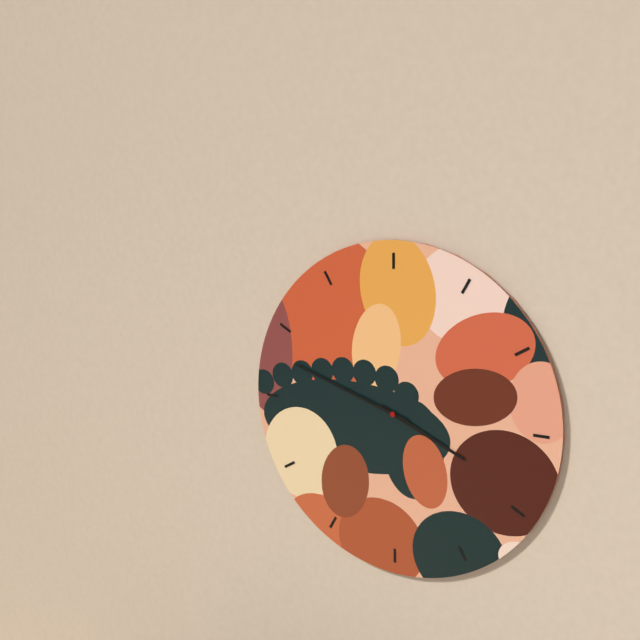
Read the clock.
3:48
